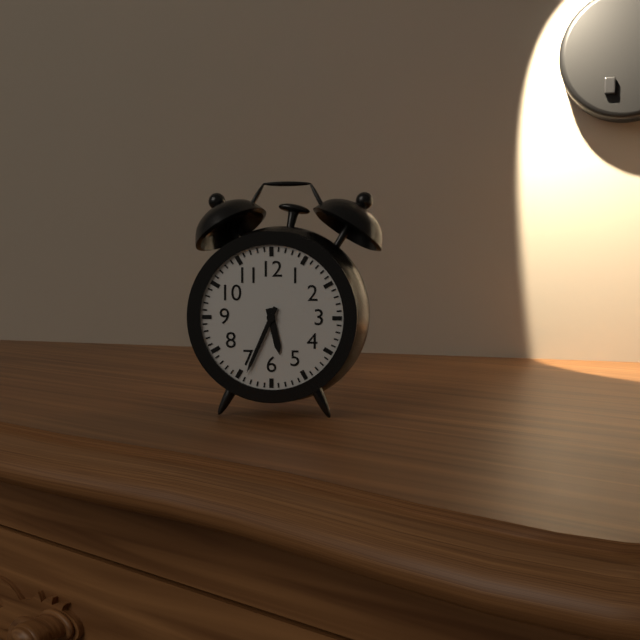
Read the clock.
5:34
